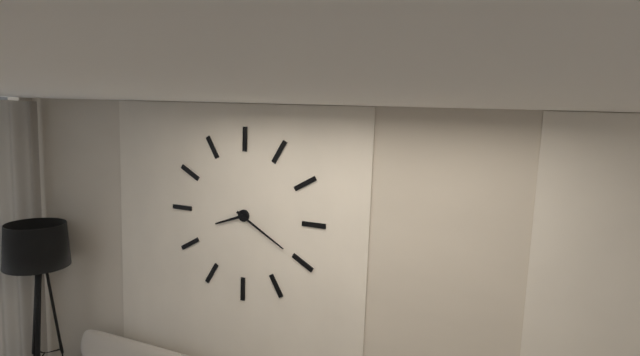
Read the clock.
8:20
